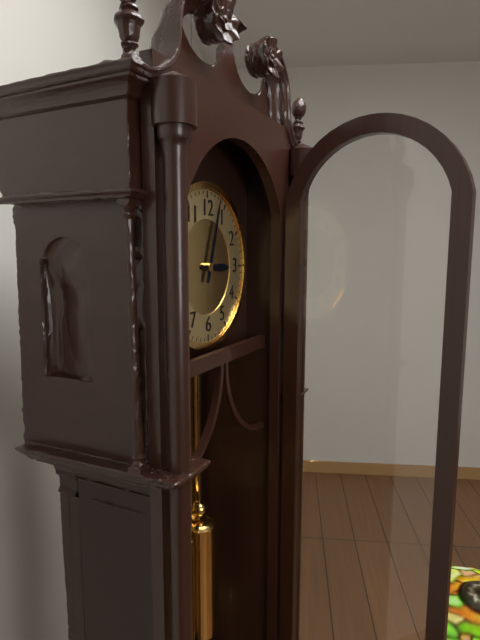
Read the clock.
3:03
